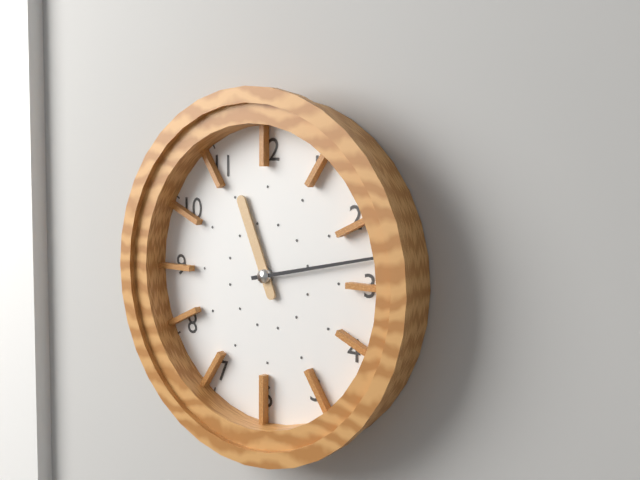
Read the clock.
11:13
